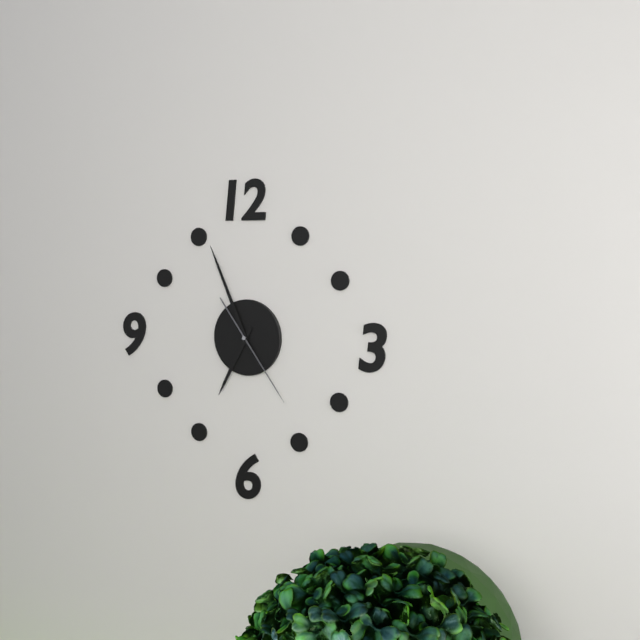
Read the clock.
6:56:24
